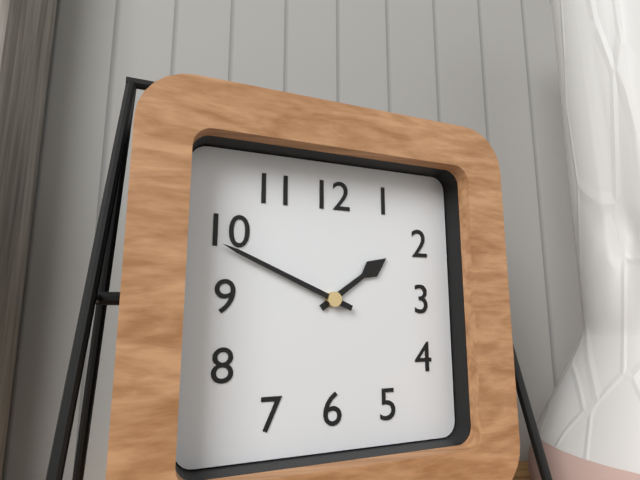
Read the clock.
1:49
